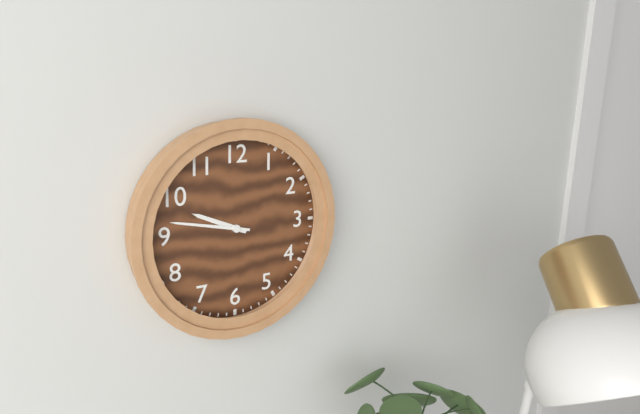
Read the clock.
9:47
